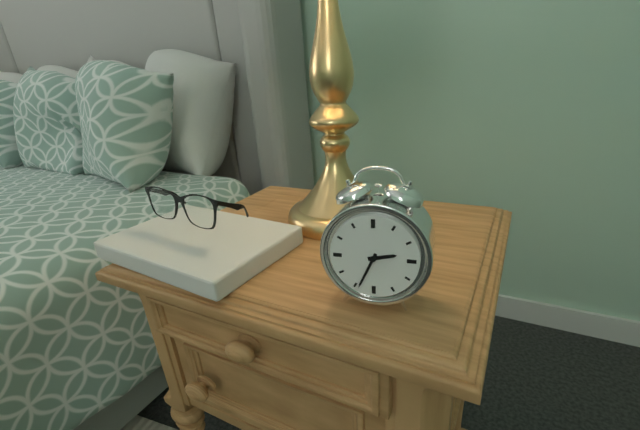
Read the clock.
2:34
